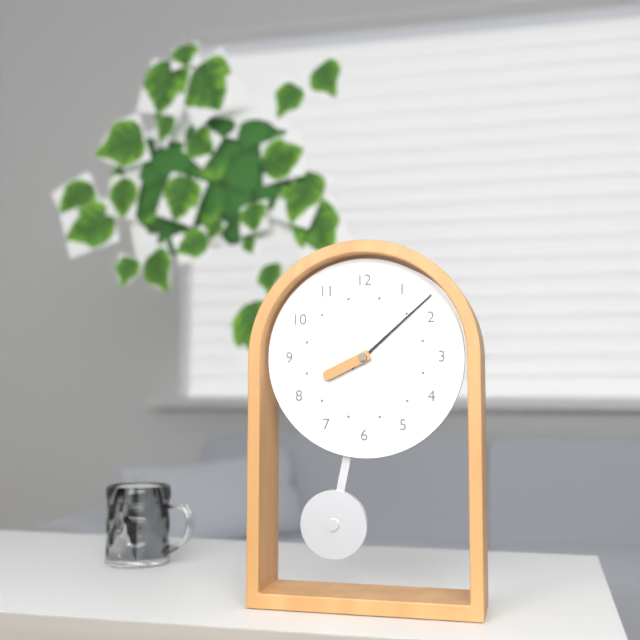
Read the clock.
8:08
